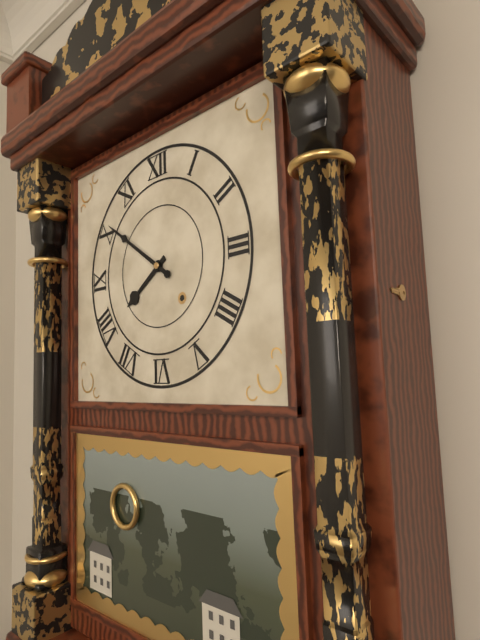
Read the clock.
7:51
